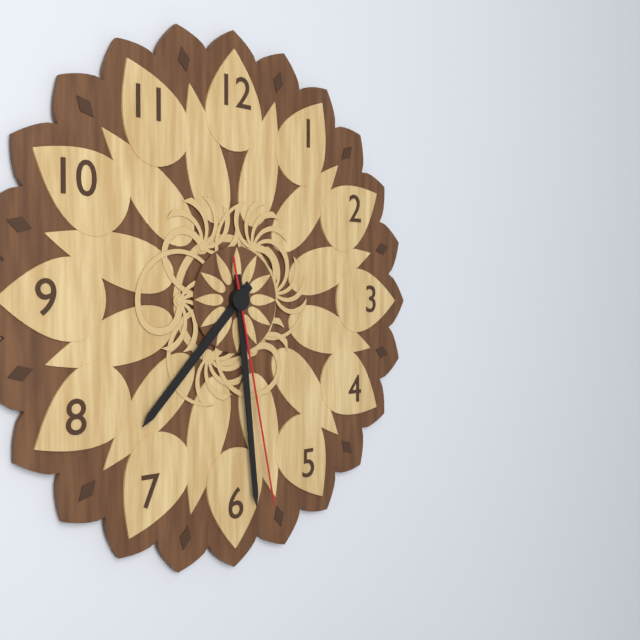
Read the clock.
7:29:28
